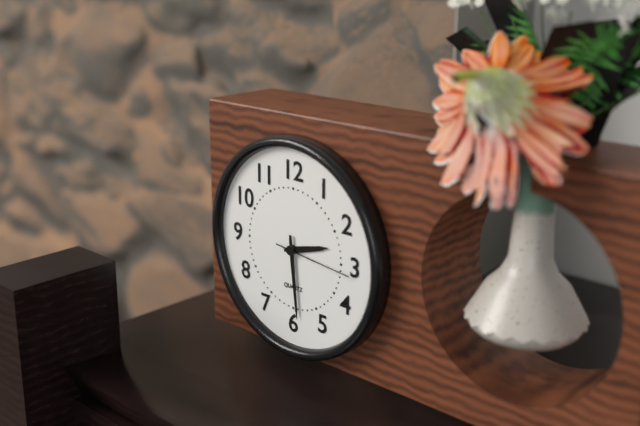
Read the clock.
2:29:16
